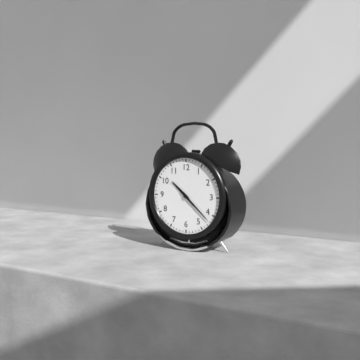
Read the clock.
10:22
